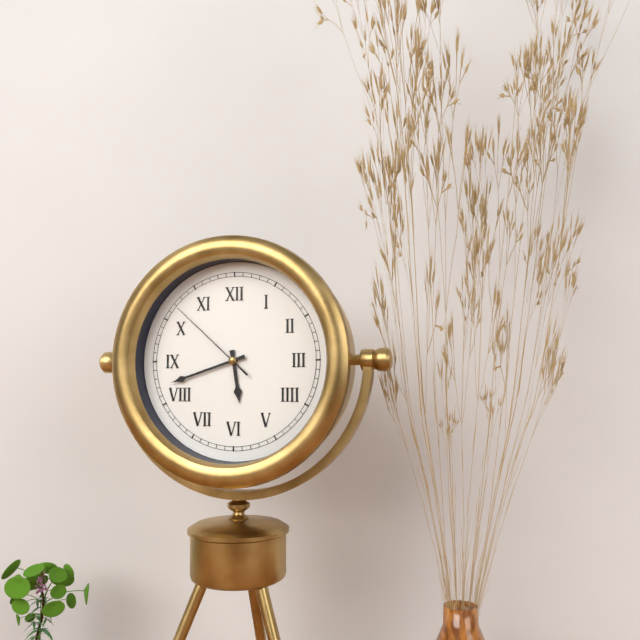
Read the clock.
5:42:52
